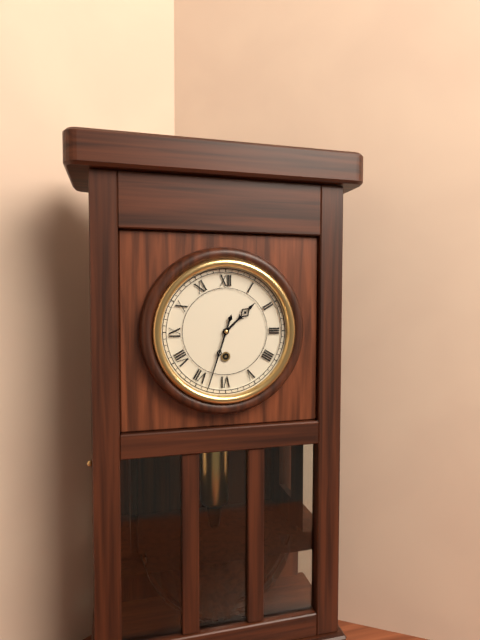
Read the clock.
1:33
